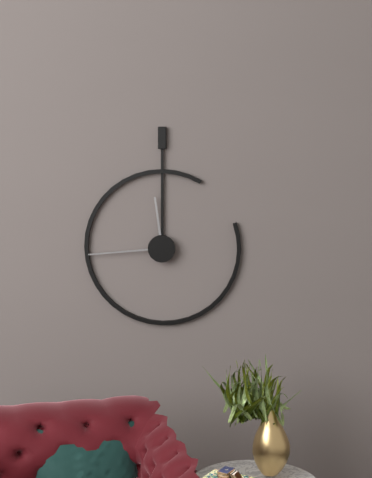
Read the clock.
11:44
